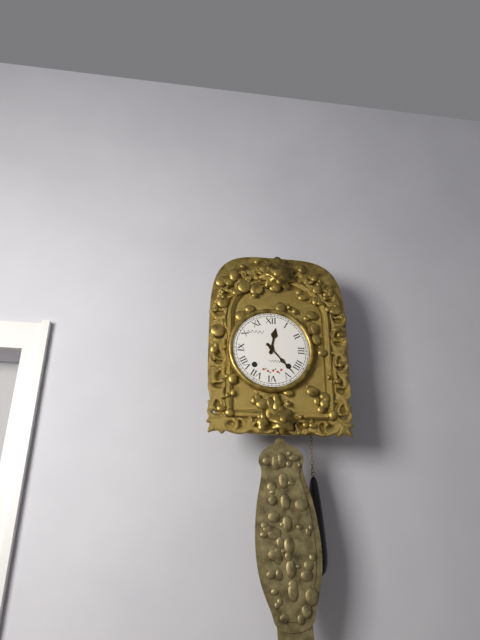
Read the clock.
12:23
